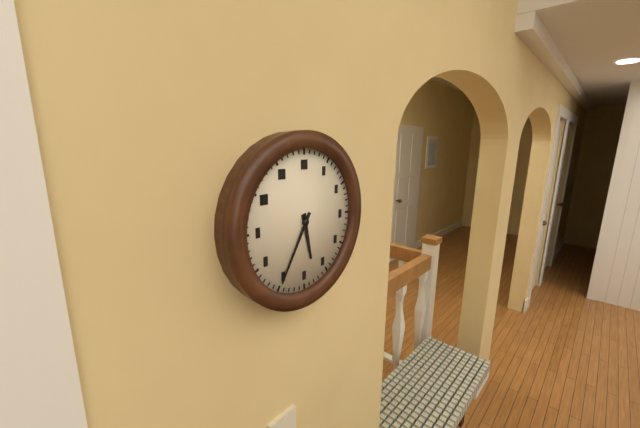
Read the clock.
5:35
